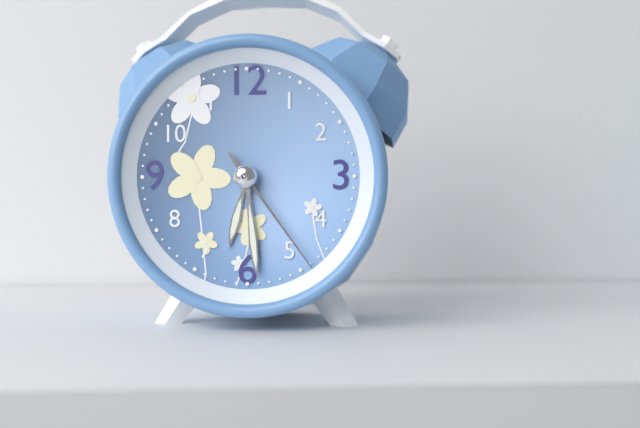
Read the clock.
6:29:24
